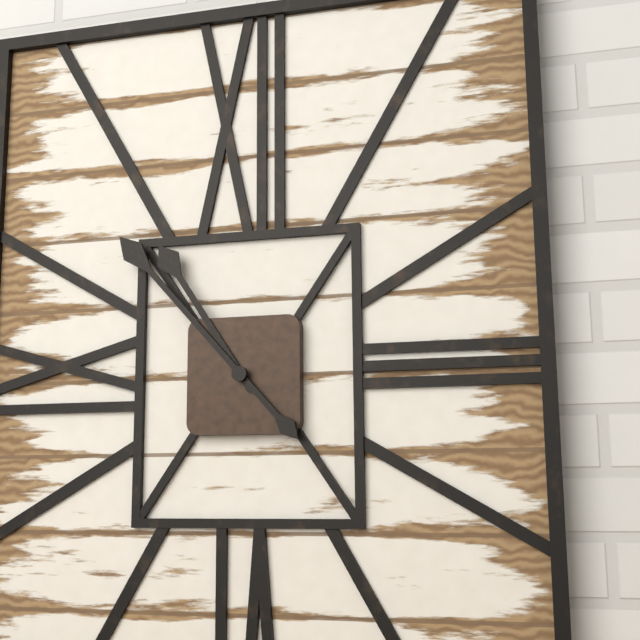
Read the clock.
10:53
